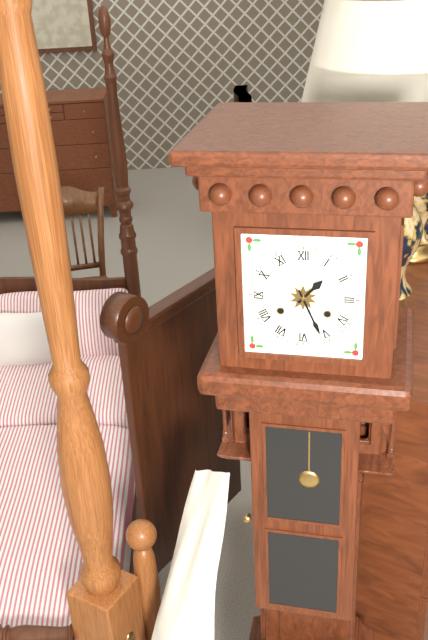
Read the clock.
1:26
